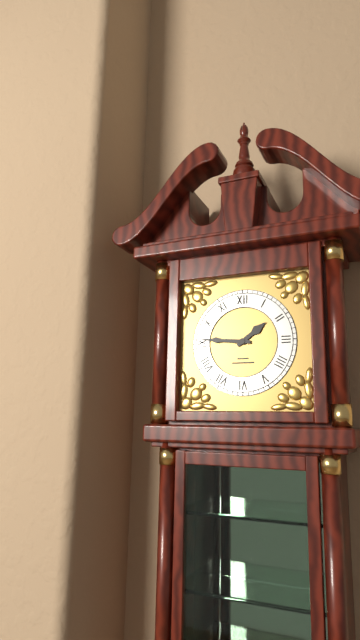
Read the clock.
1:46
